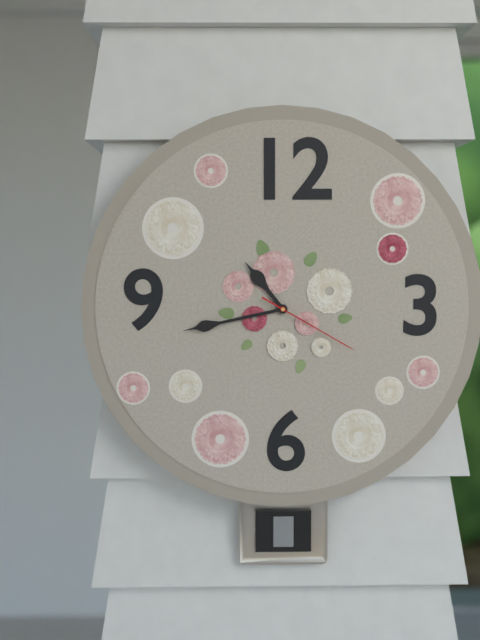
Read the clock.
10:43:20
